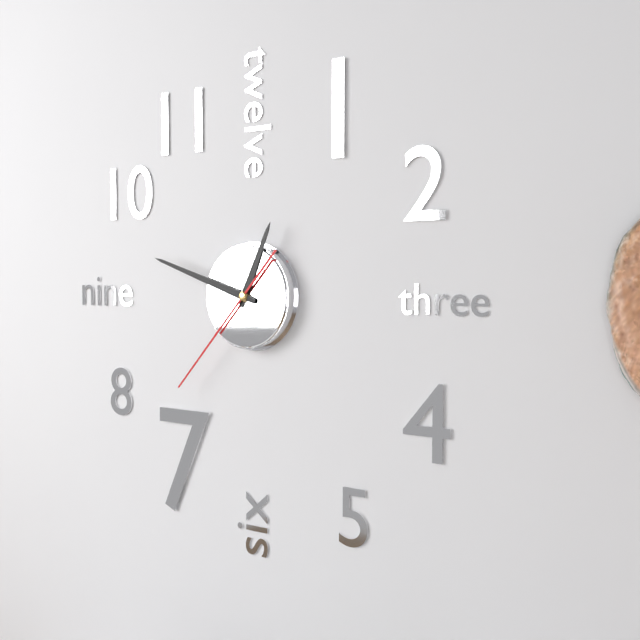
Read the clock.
12:48:37
